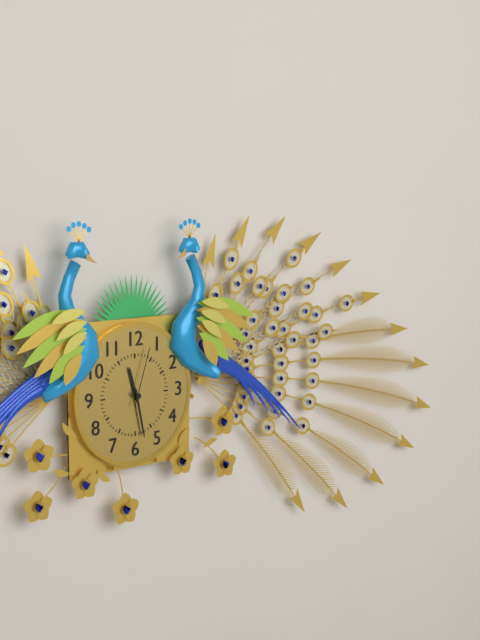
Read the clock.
11:28:03
